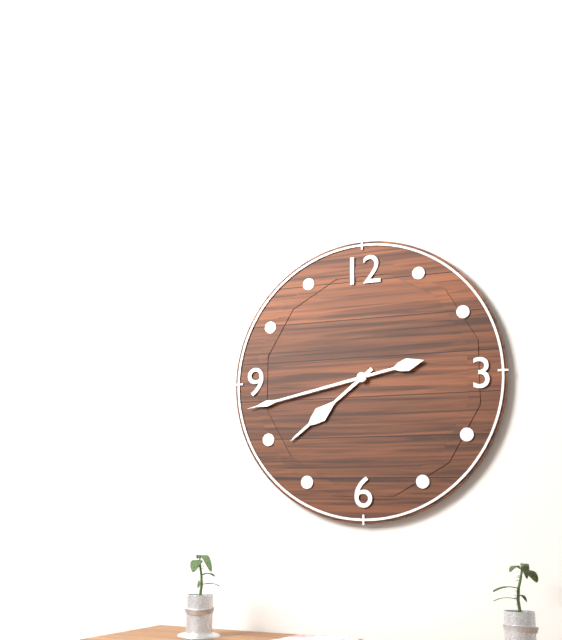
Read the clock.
7:43
